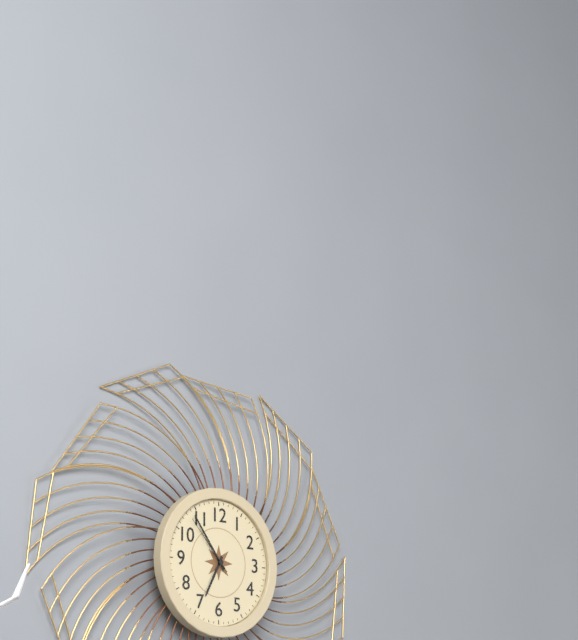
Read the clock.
6:54:53
